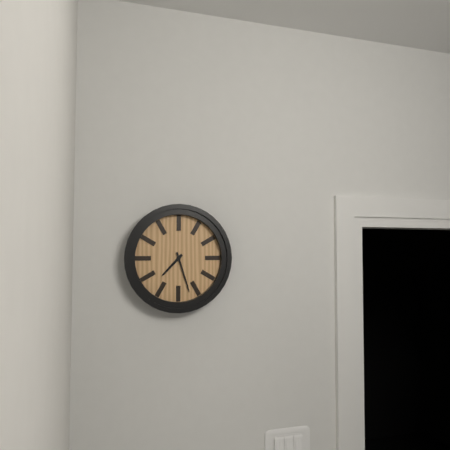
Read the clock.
7:27
